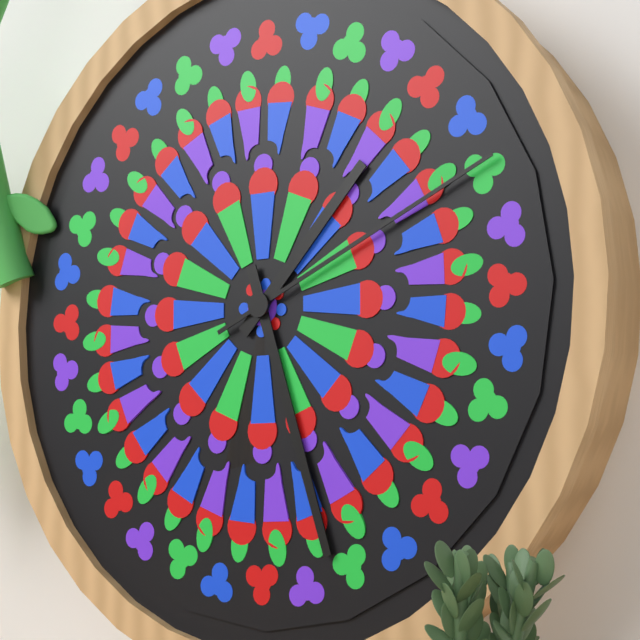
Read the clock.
1:27:11
